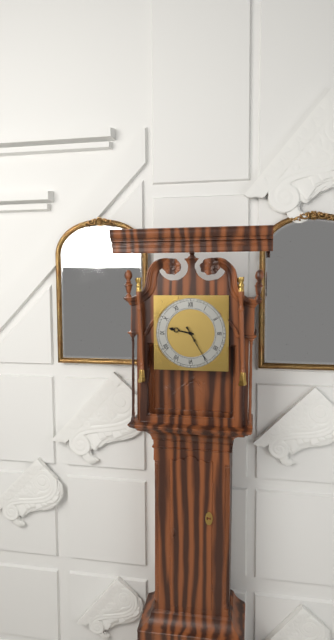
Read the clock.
9:25
